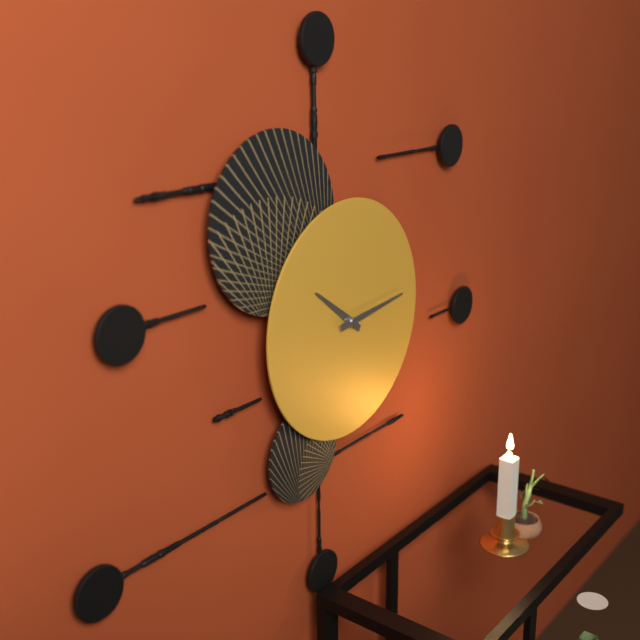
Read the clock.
10:14
